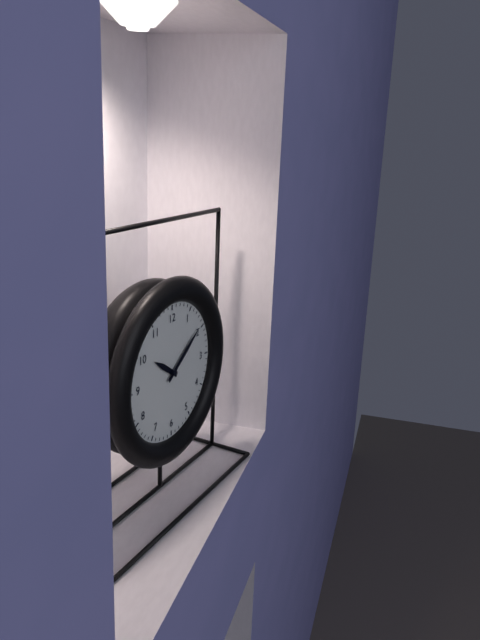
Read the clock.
10:09
